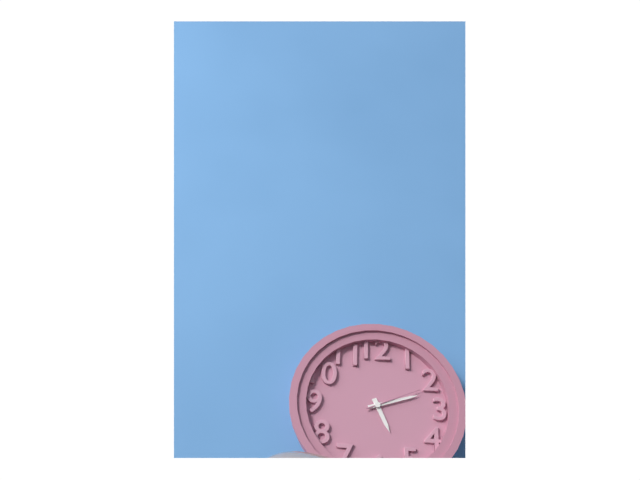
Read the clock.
5:12:11
